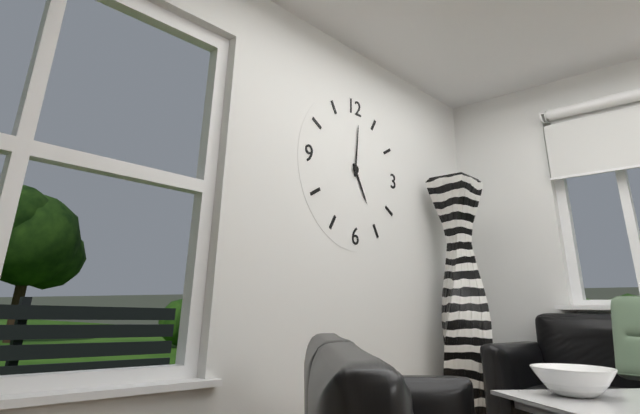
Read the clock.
5:01
